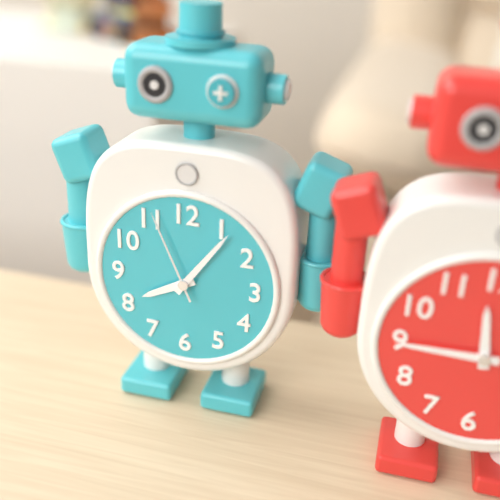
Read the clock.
8:06:56
